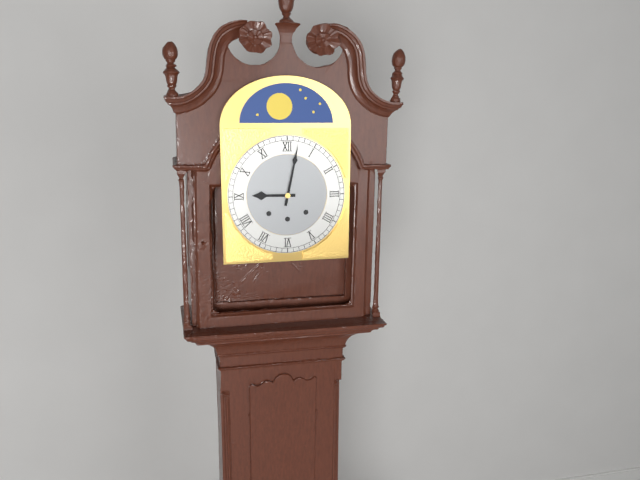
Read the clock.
9:02
